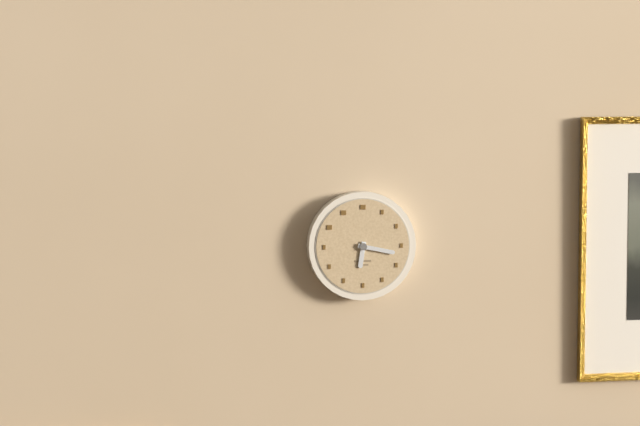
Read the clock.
6:17
